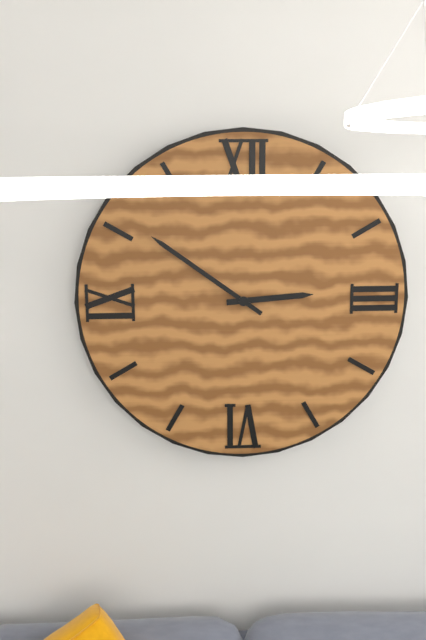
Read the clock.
2:51
